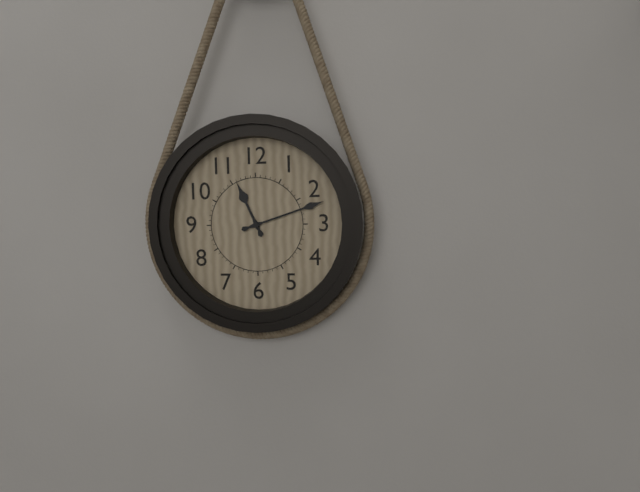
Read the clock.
11:12
